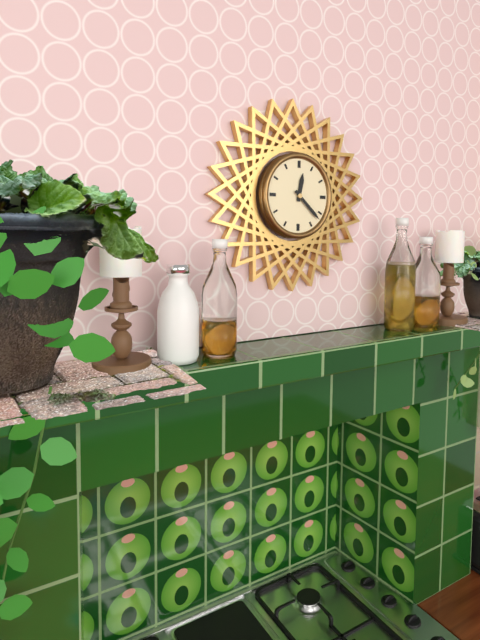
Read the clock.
12:22
